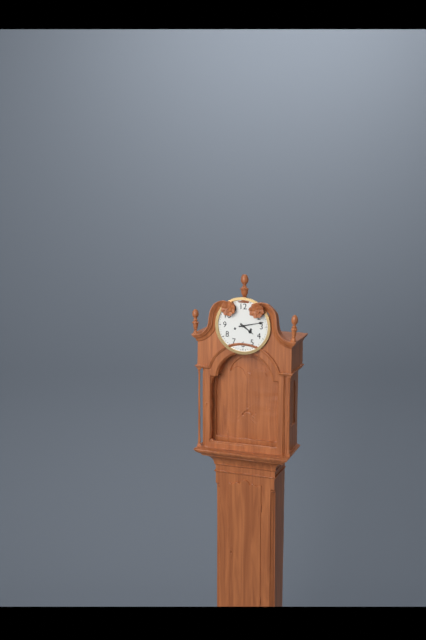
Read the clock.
4:13
